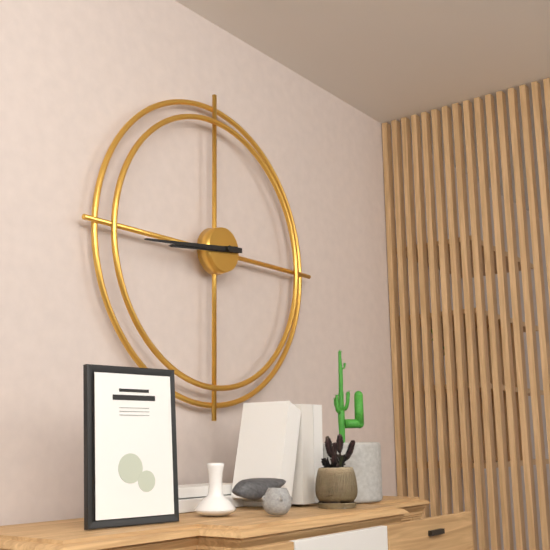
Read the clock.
8:44
